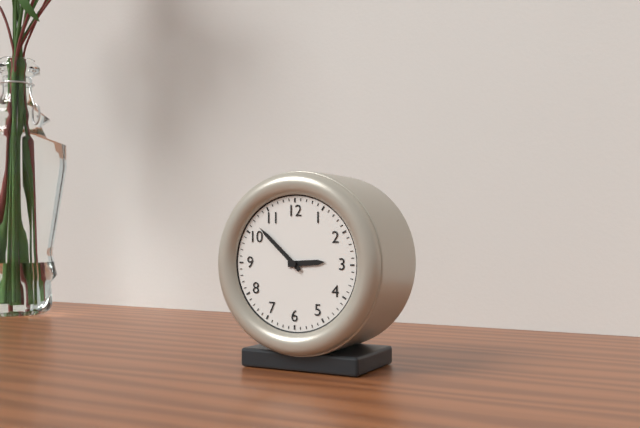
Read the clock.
2:52
